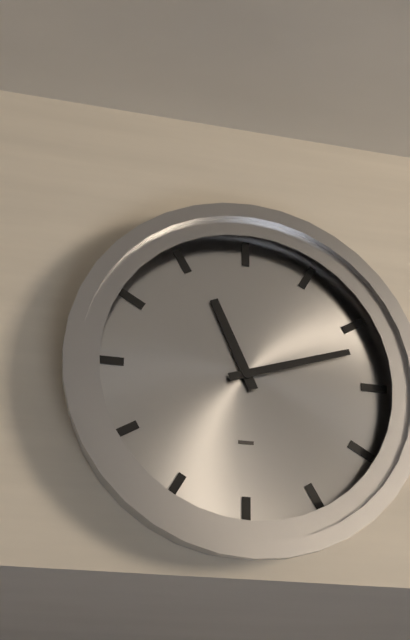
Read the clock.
11:12
